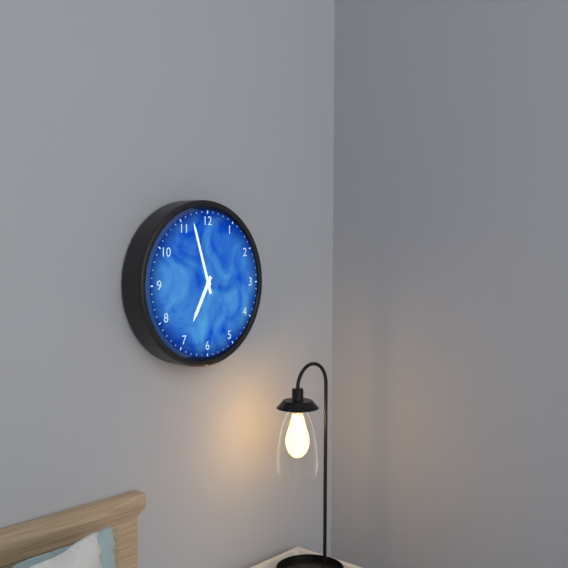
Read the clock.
6:57
